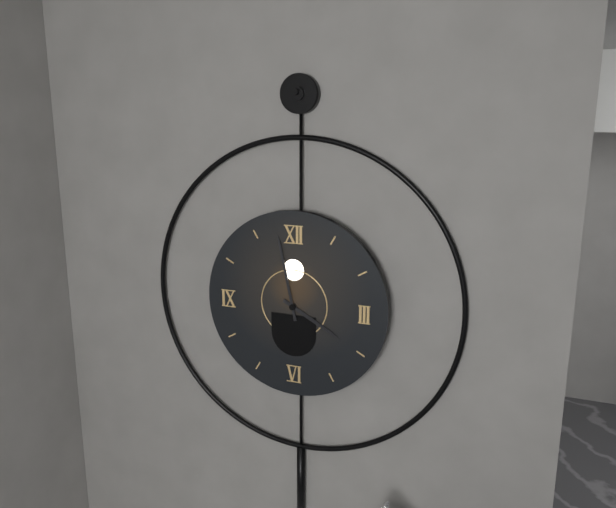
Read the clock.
3:58
